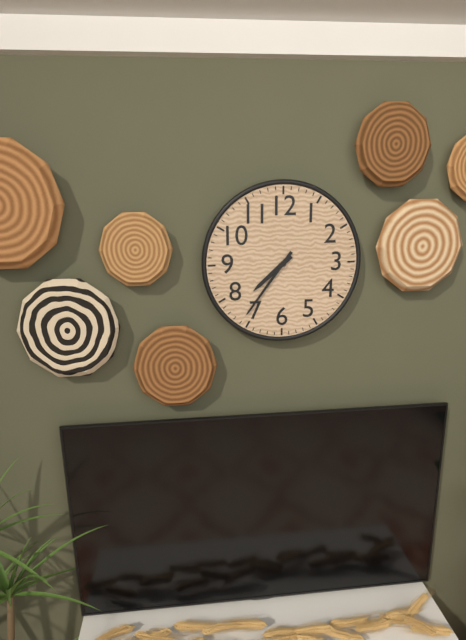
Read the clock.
7:36
